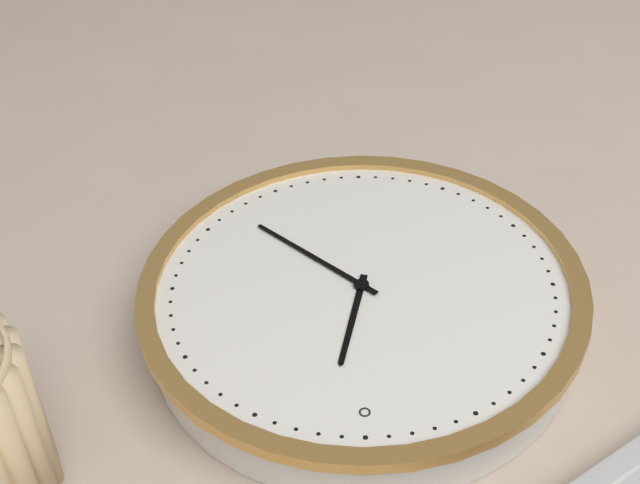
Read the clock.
12:22
